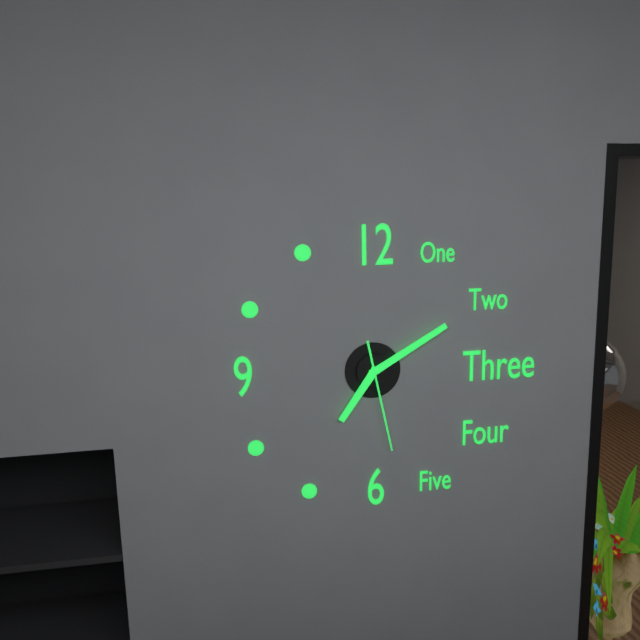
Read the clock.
7:10:28
